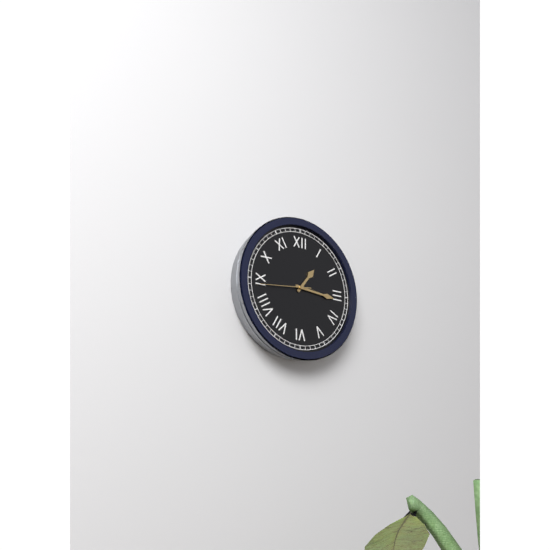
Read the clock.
1:16:44
